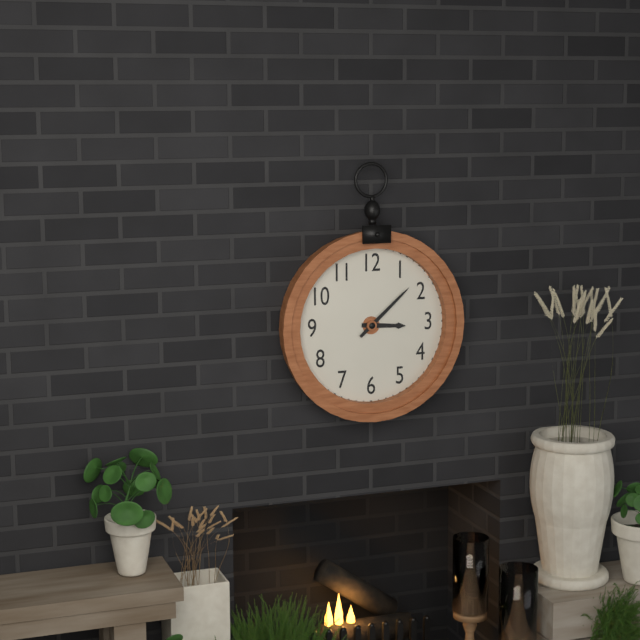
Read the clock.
3:08
